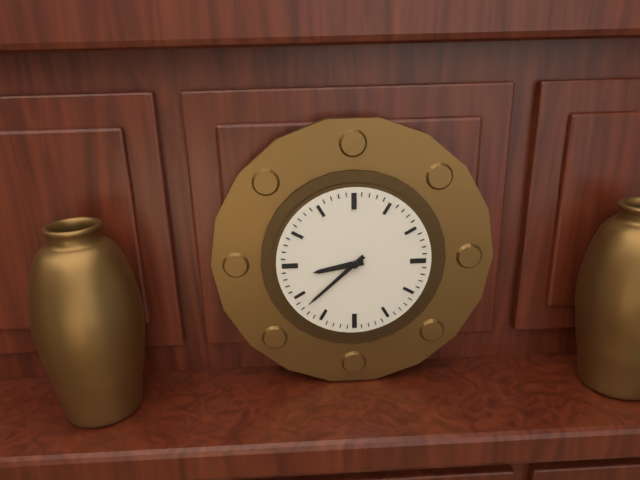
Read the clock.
8:38
